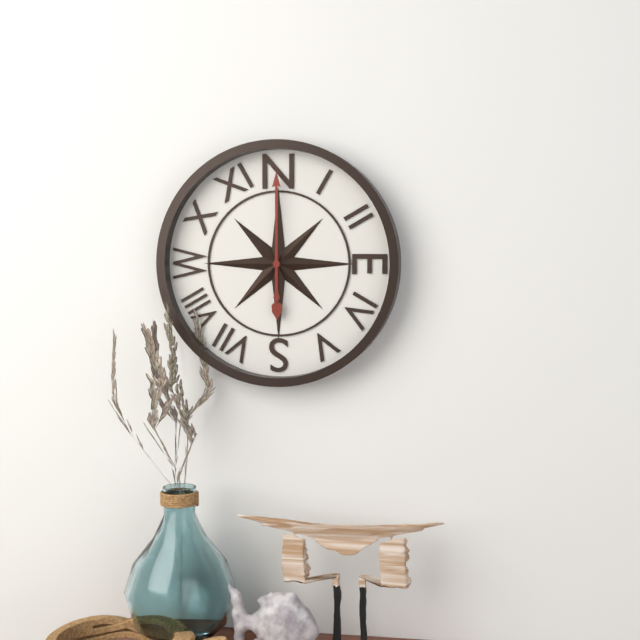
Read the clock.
6:00
